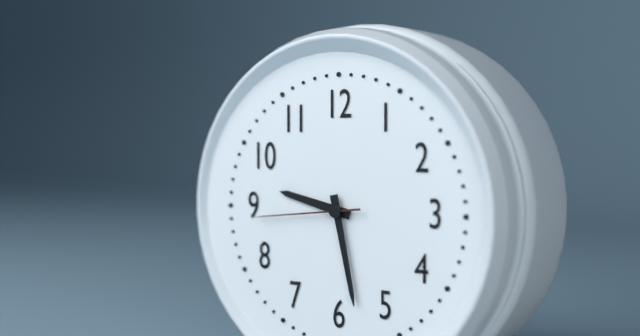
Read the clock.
9:28:44
